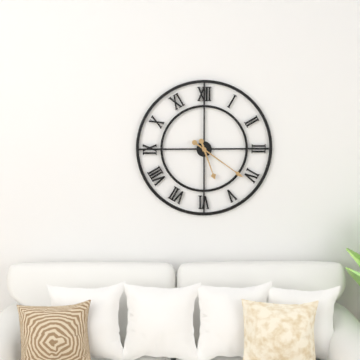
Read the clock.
5:21
